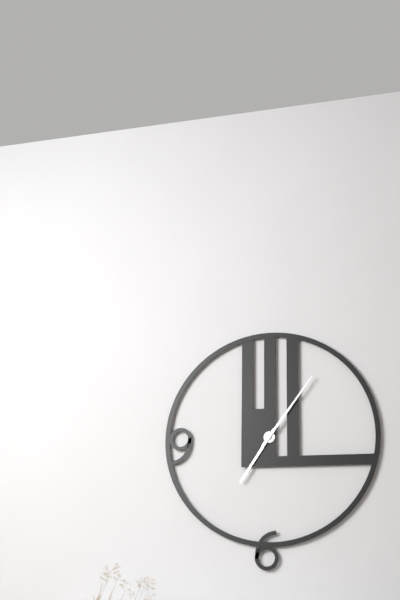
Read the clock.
7:06
